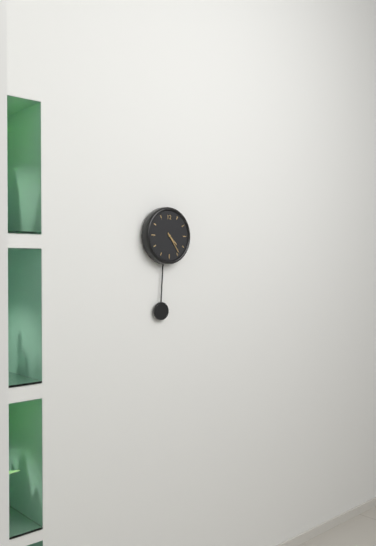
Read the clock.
4:24
